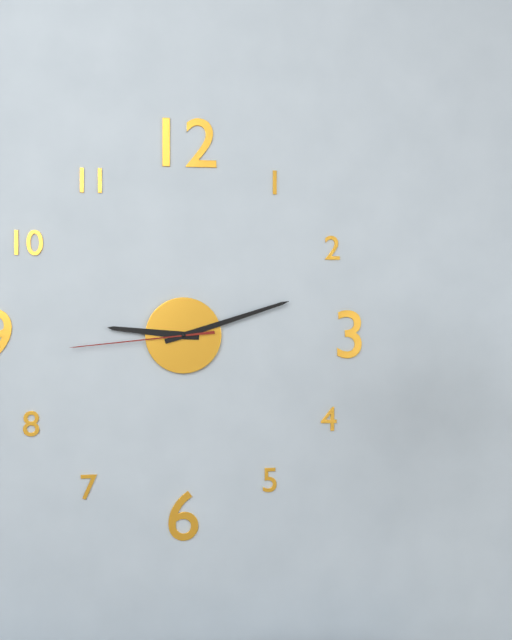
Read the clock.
9:12:44
